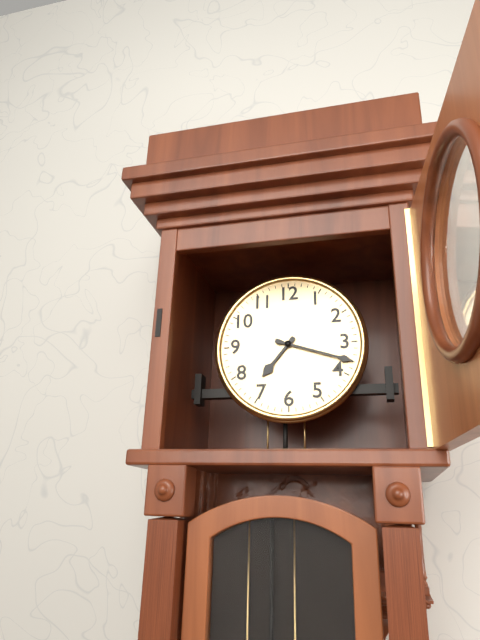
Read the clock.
7:18
